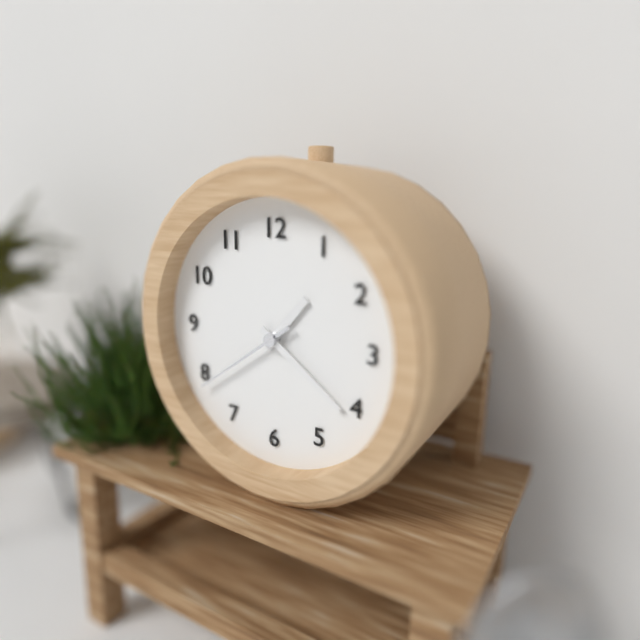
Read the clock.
1:21:39
